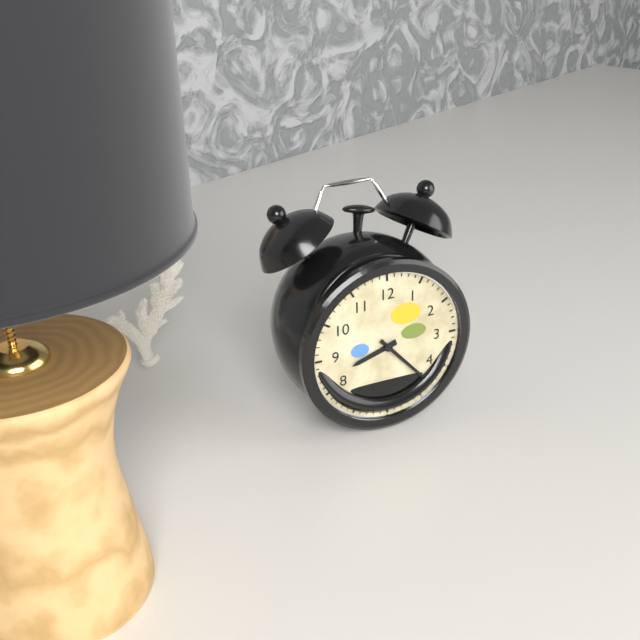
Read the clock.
8:23
